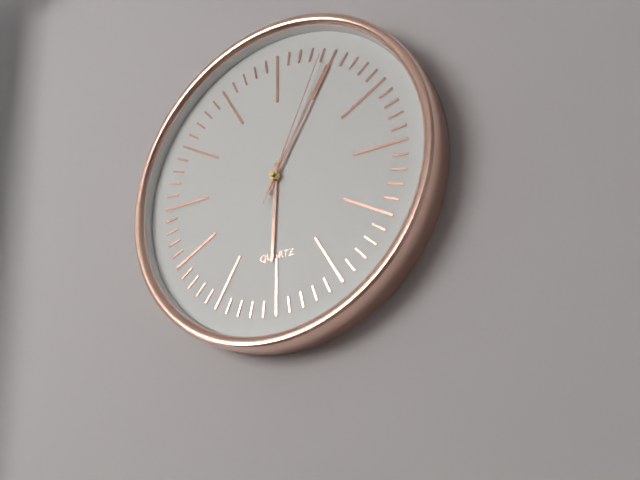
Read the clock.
6:05:04
